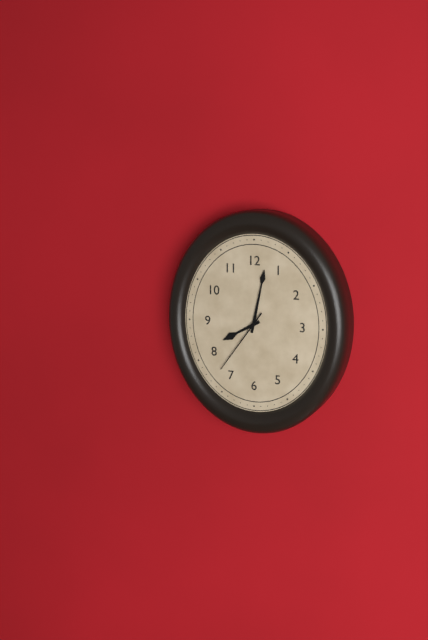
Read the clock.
8:02:36
